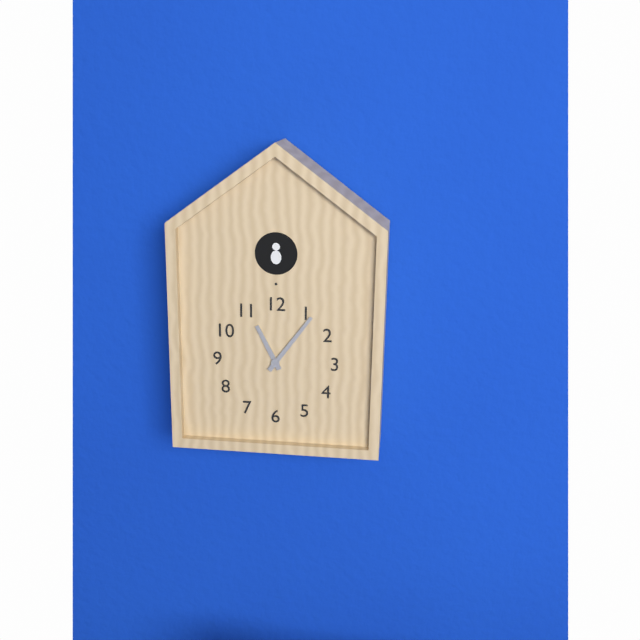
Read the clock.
11:06
